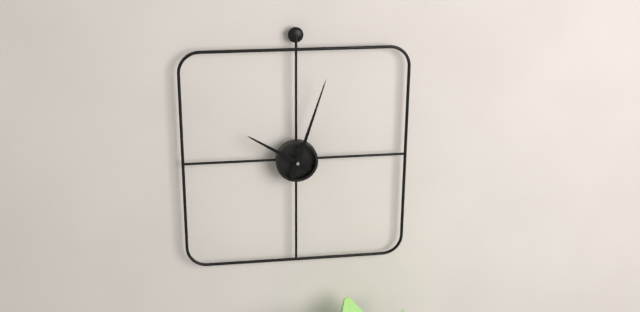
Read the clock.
10:03
